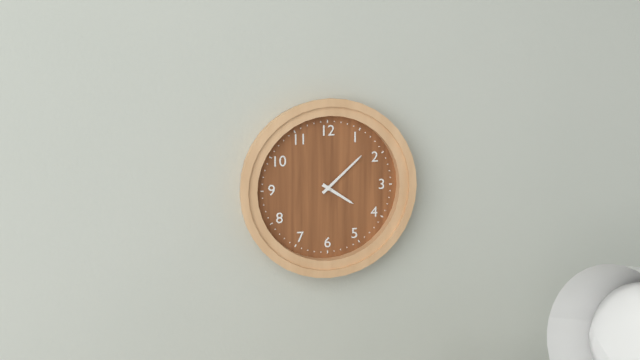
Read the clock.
4:08
